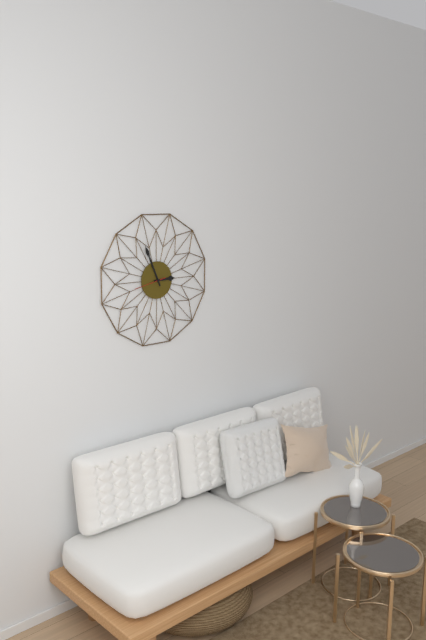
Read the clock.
2:56
